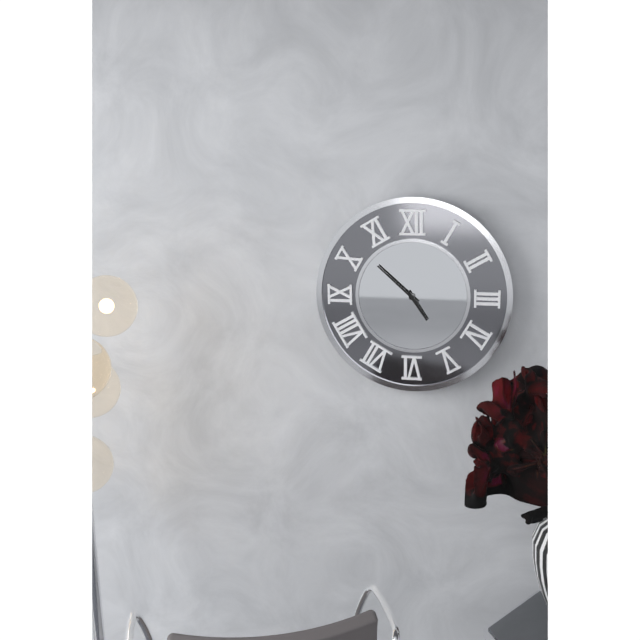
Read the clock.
4:52
